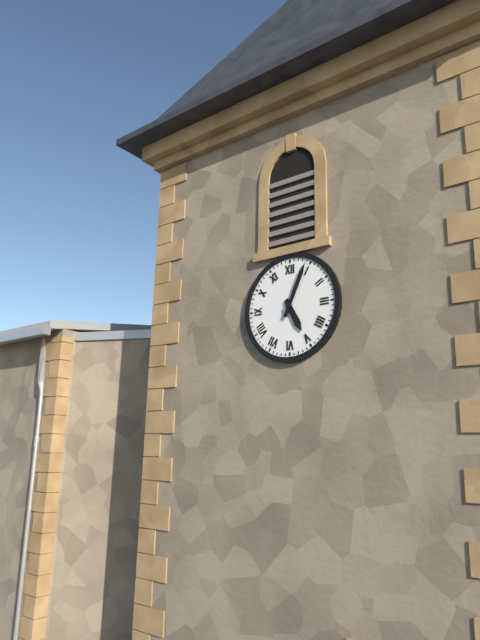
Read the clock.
5:04
